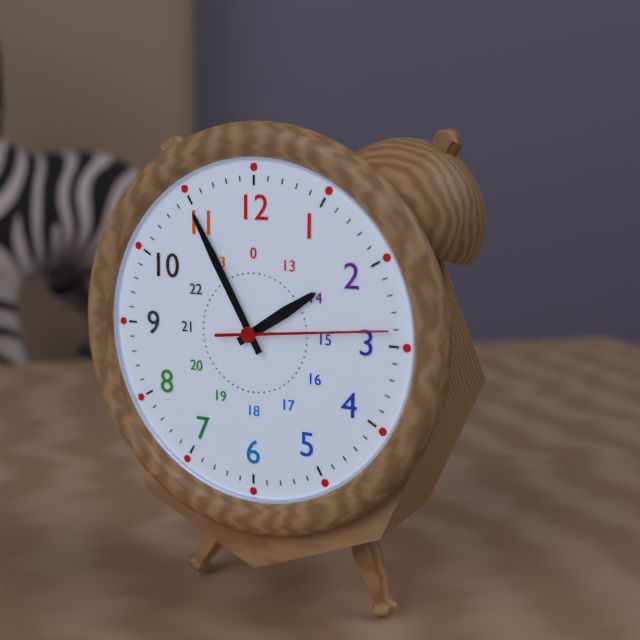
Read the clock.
1:55:14
